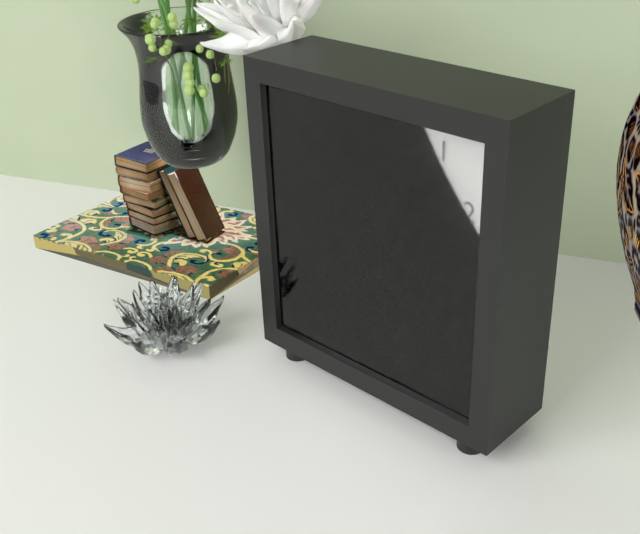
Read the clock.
10:27
